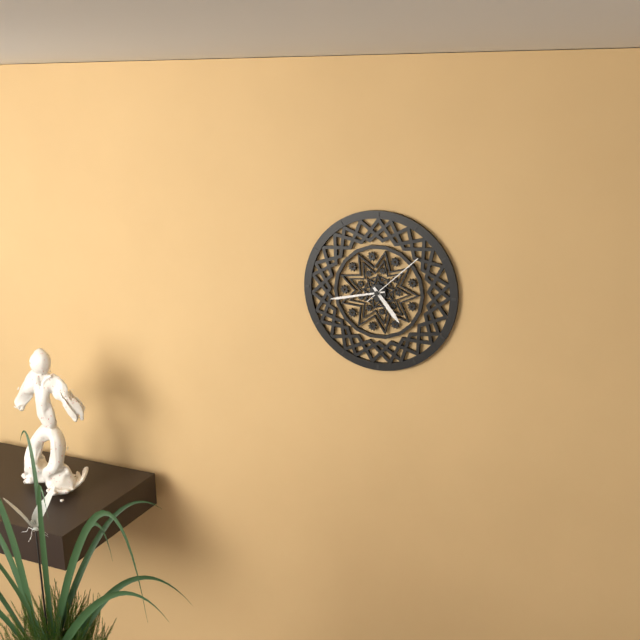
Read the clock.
4:43:08
